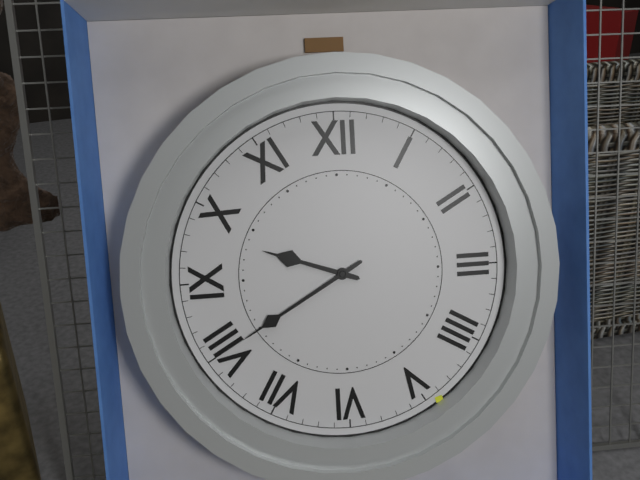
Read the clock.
9:40
